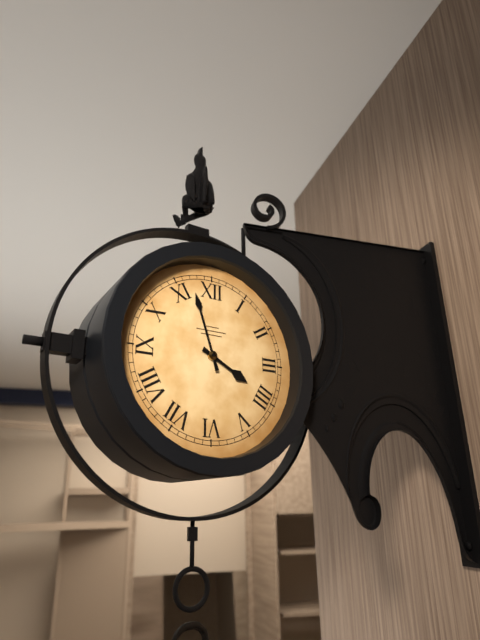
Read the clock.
3:57
